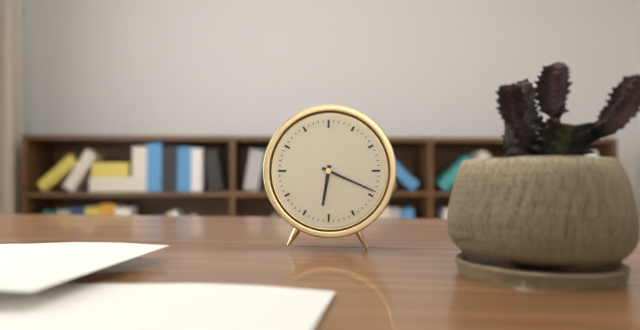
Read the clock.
6:19
